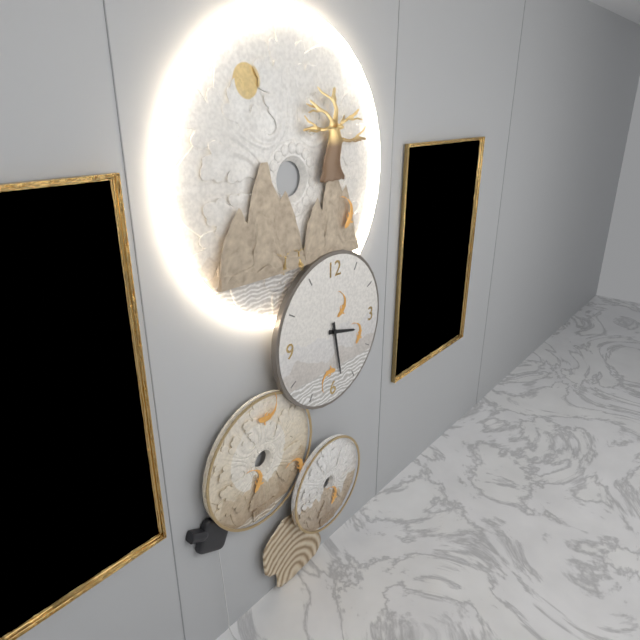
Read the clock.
3:28
